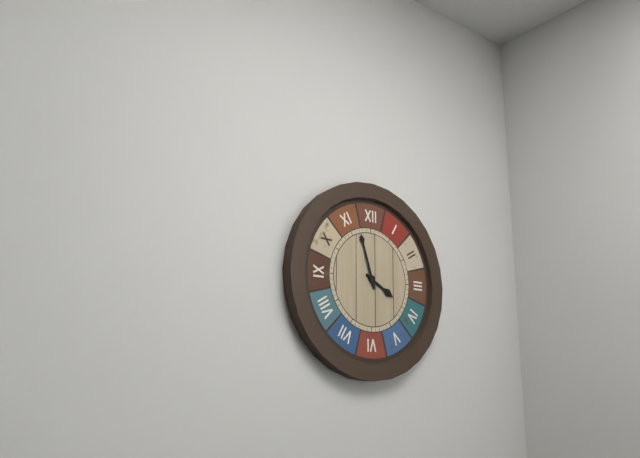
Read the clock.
3:57
